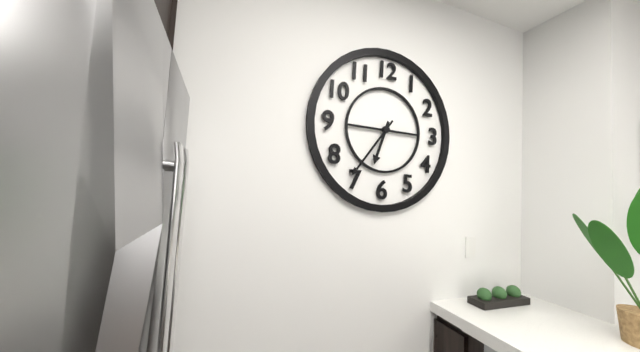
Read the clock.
6:36
